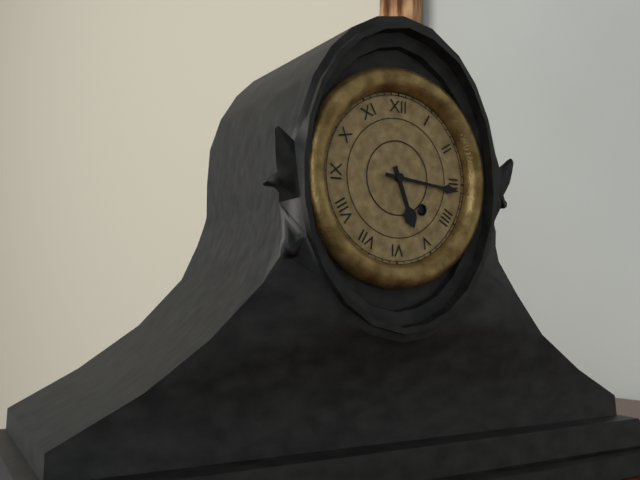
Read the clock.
5:16
